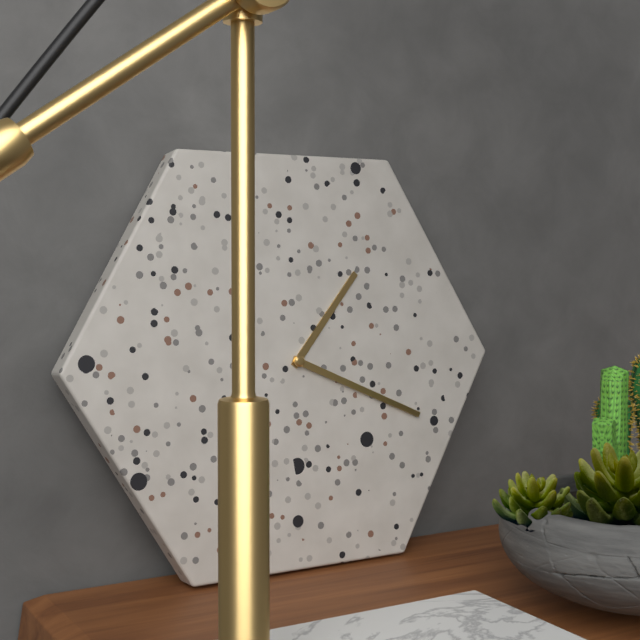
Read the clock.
1:19
